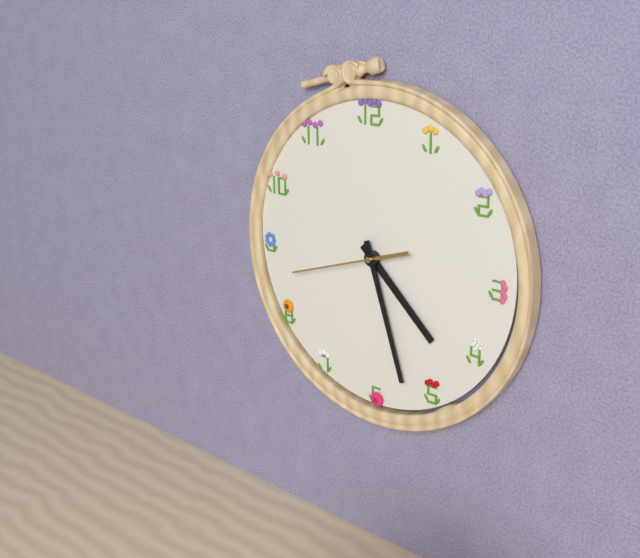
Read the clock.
4:27:42
